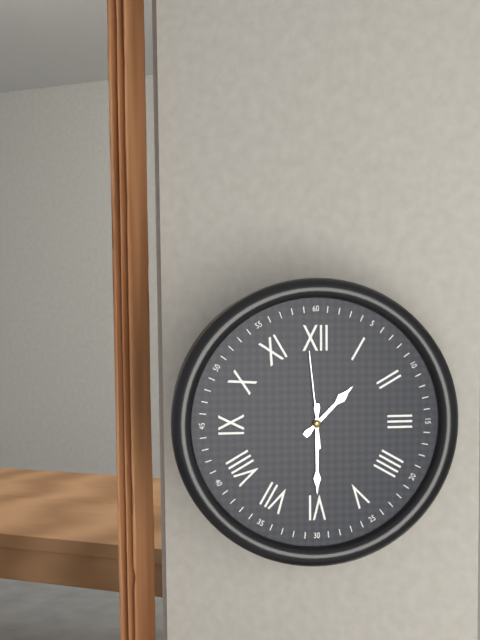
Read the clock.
1:30:59
